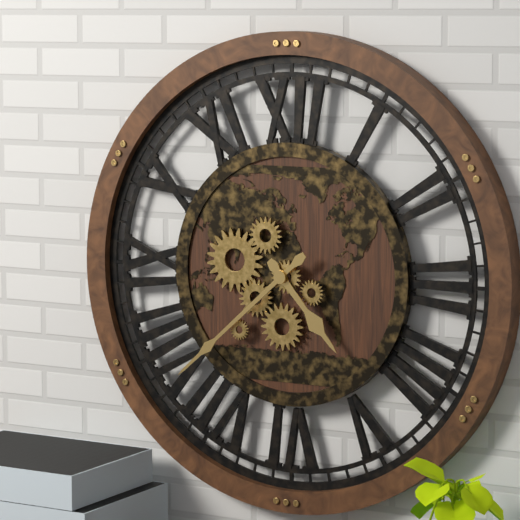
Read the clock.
4:38
